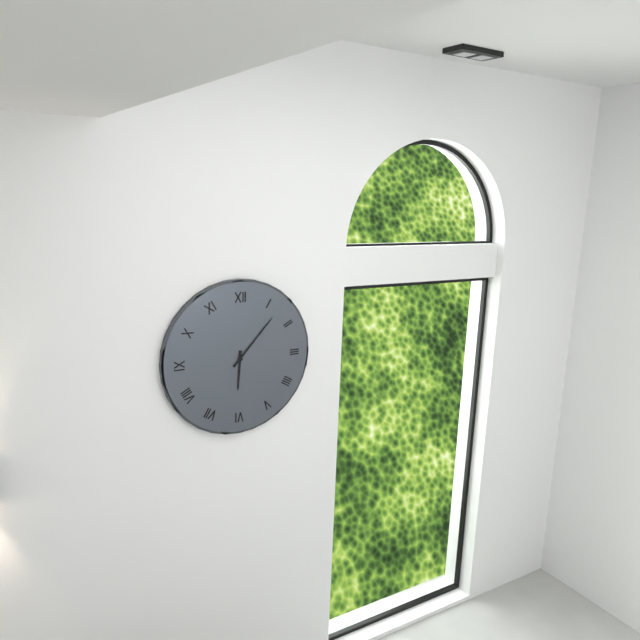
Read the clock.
6:07
